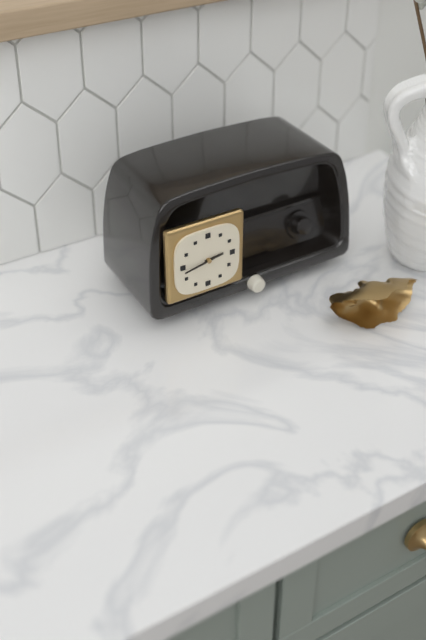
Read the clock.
2:43
